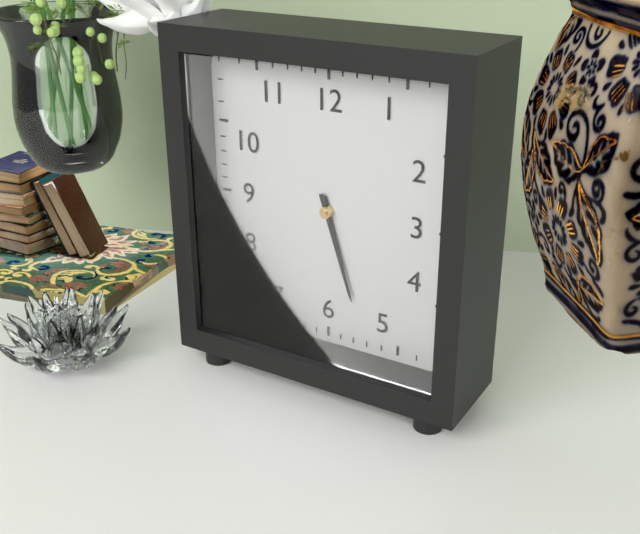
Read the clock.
5:27
